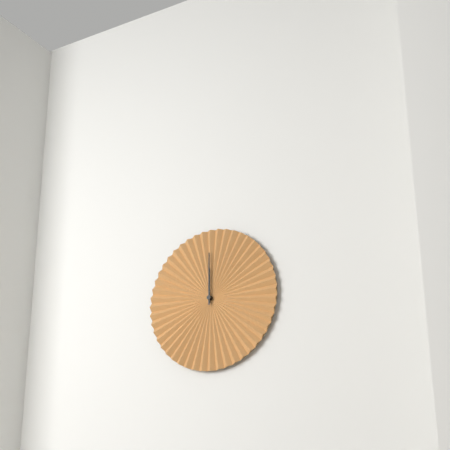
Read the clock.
12:00
